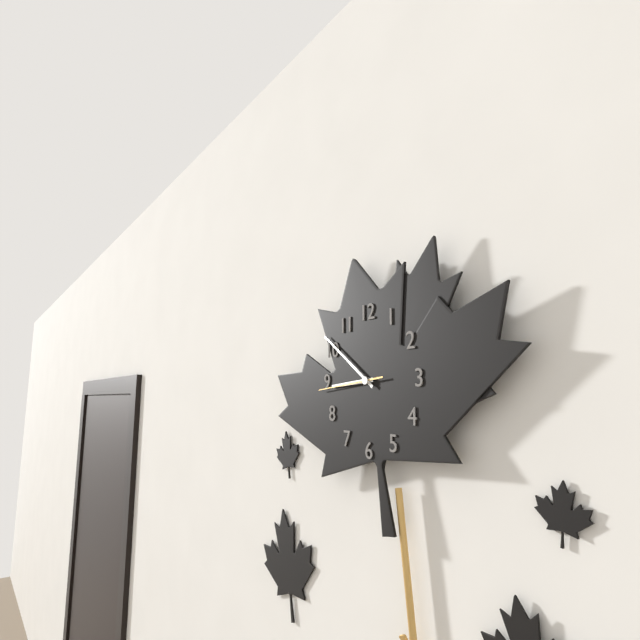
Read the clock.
8:51:44
